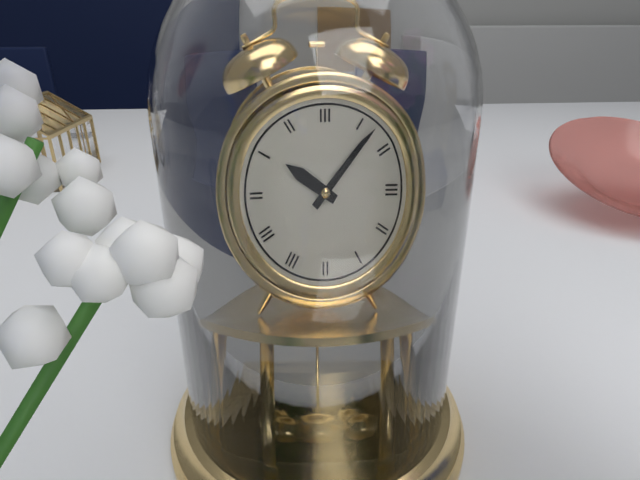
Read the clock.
10:07
